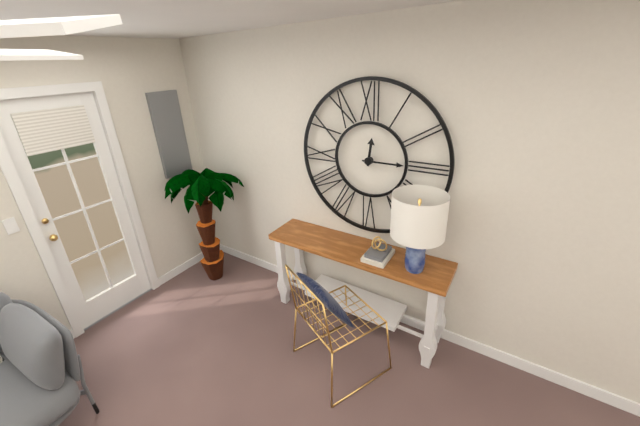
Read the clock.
12:15
